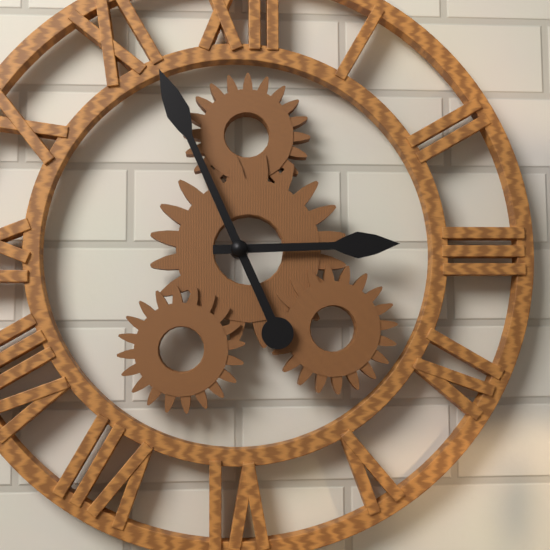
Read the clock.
2:56
